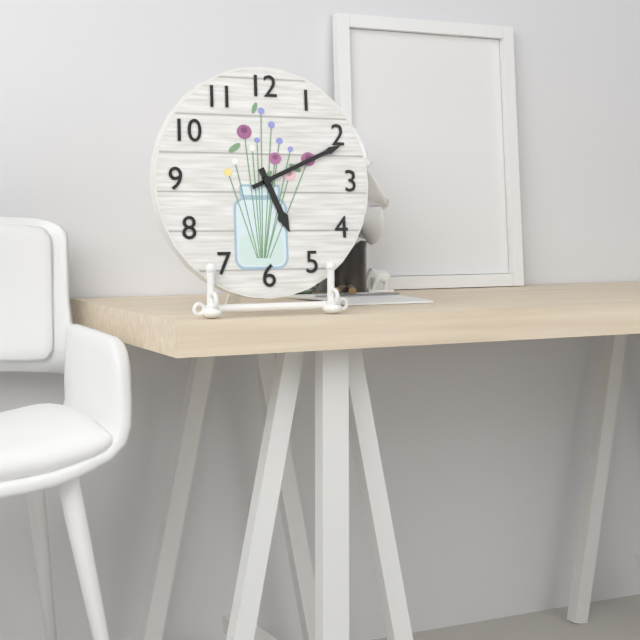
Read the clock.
5:11:11
